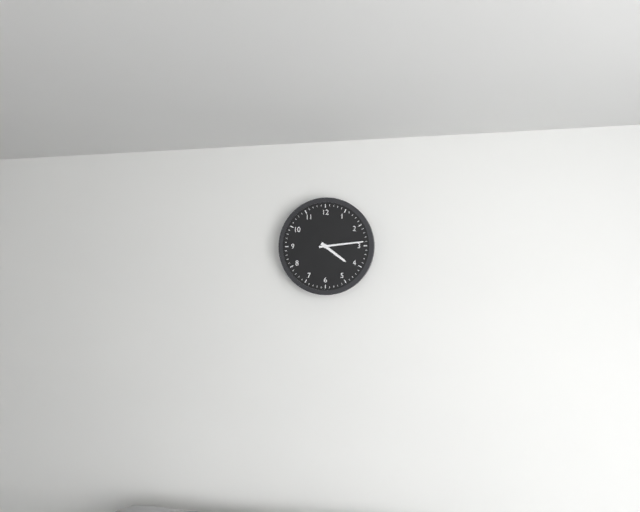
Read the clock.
4:14
